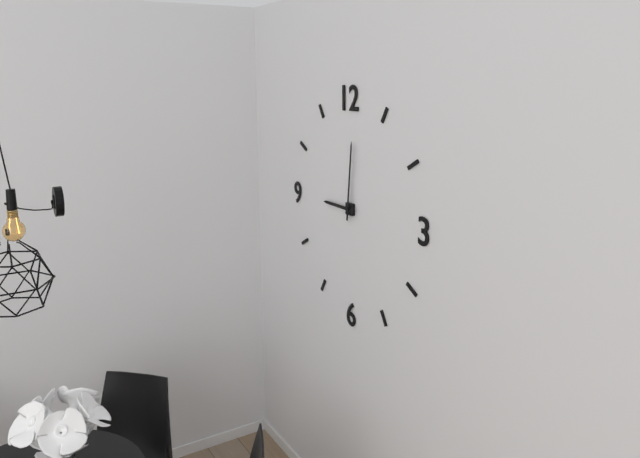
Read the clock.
9:01
